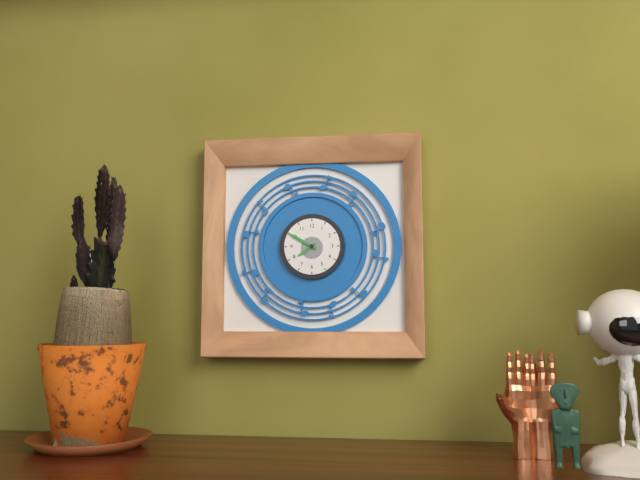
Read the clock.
7:50
